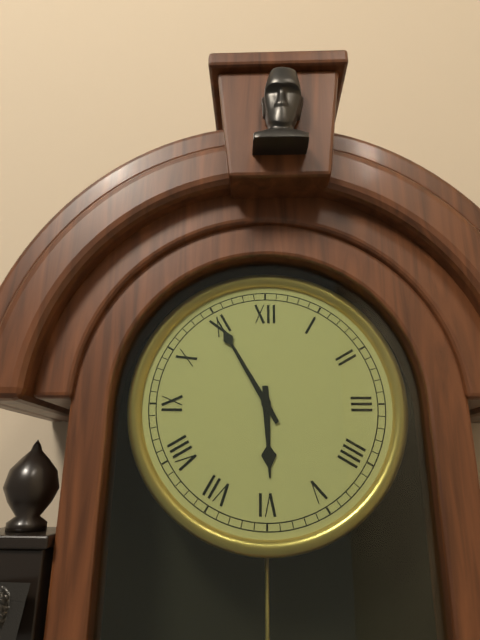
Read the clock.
5:55
